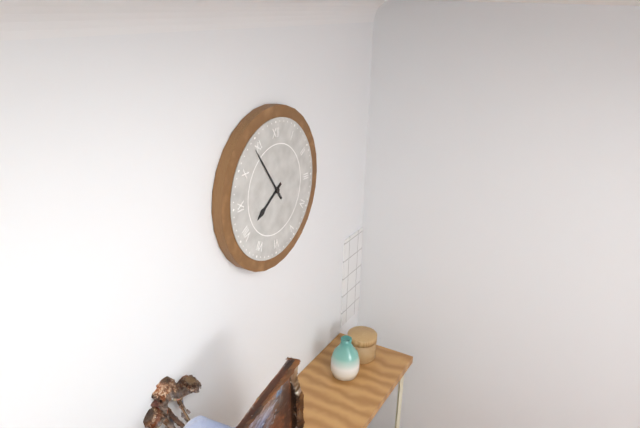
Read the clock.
7:54
